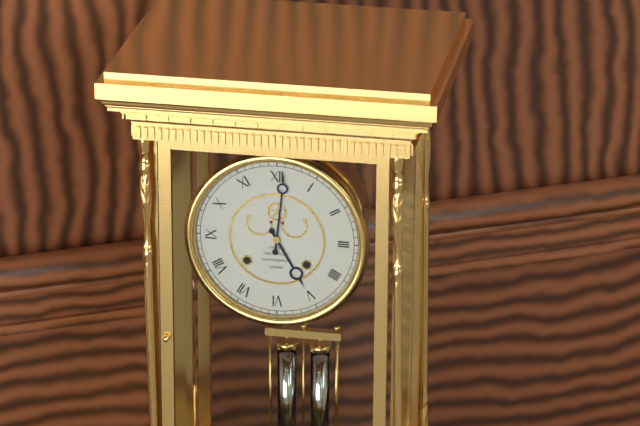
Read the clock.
5:01
